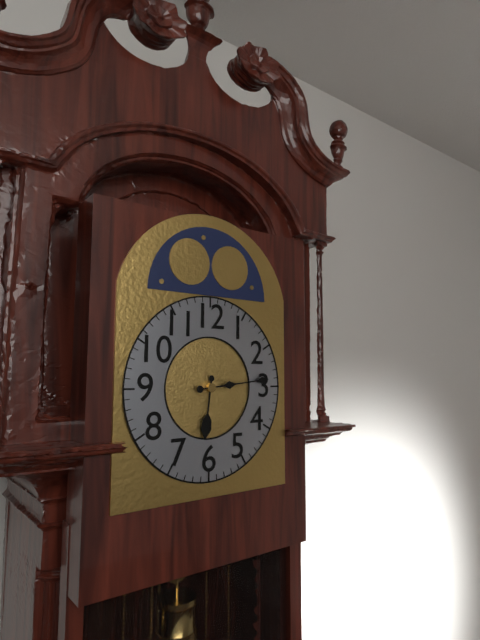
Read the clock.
6:14
